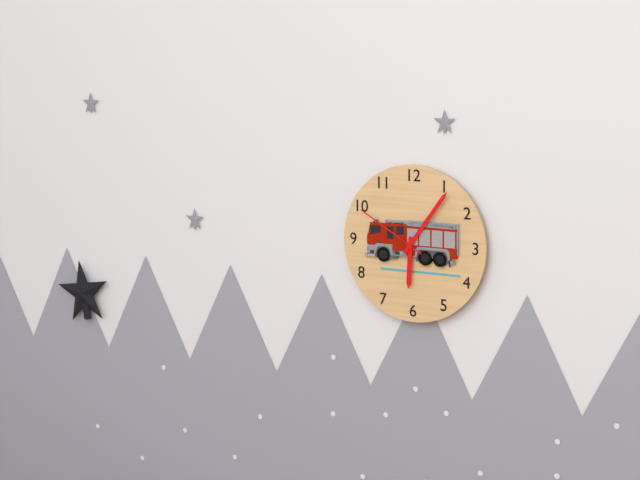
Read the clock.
6:06:50
